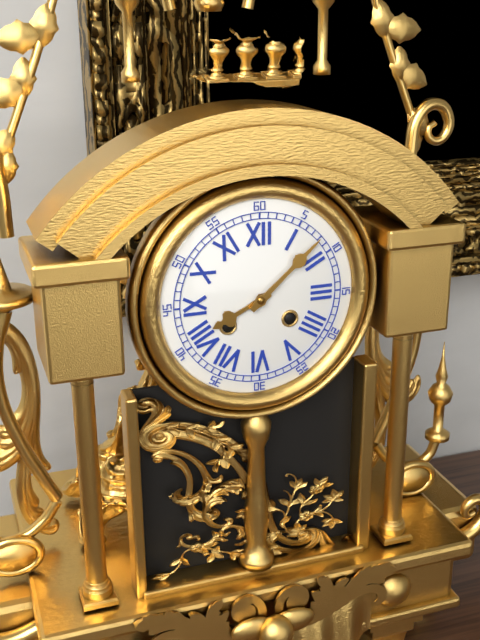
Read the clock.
8:08
